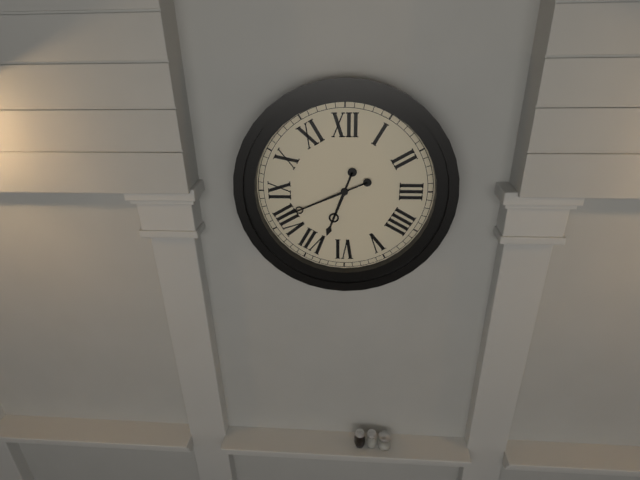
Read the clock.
6:41
